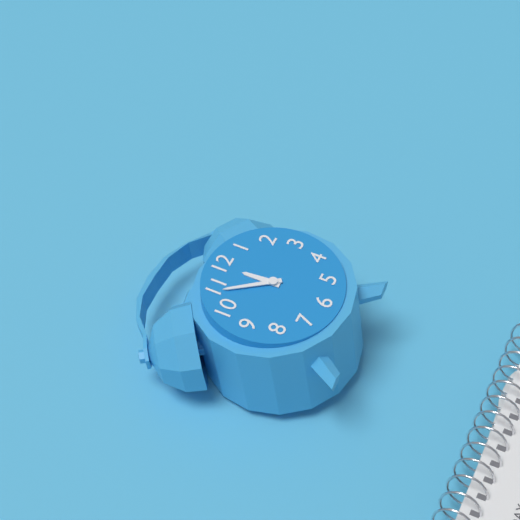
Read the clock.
11:54
